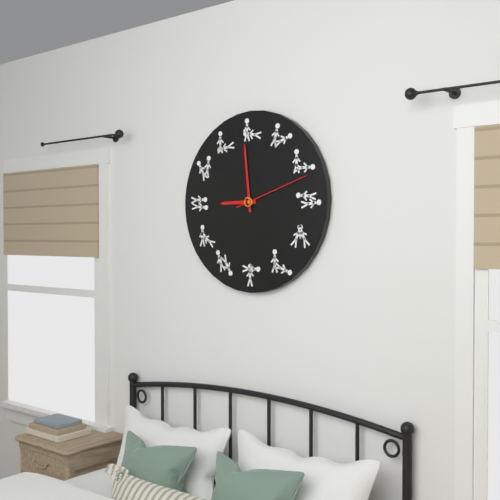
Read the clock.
8:59:12
